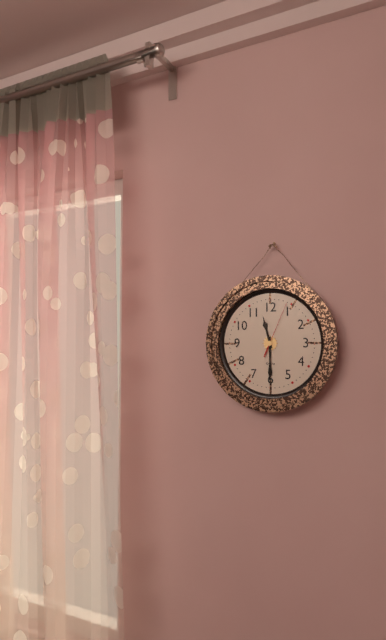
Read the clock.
11:30:04
